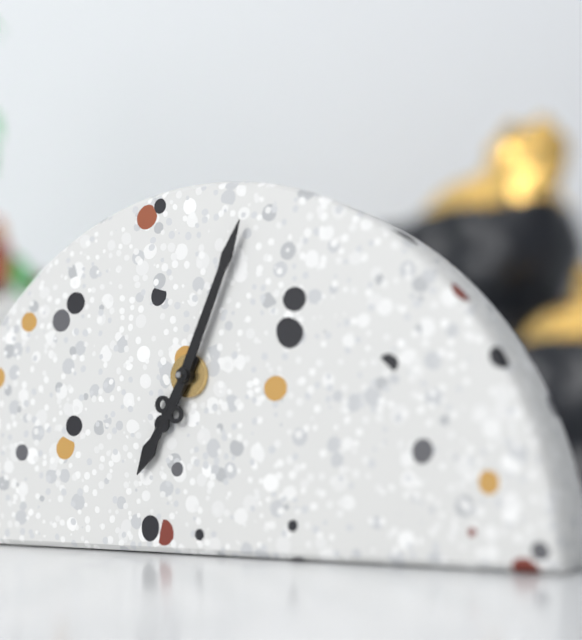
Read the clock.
7:04
